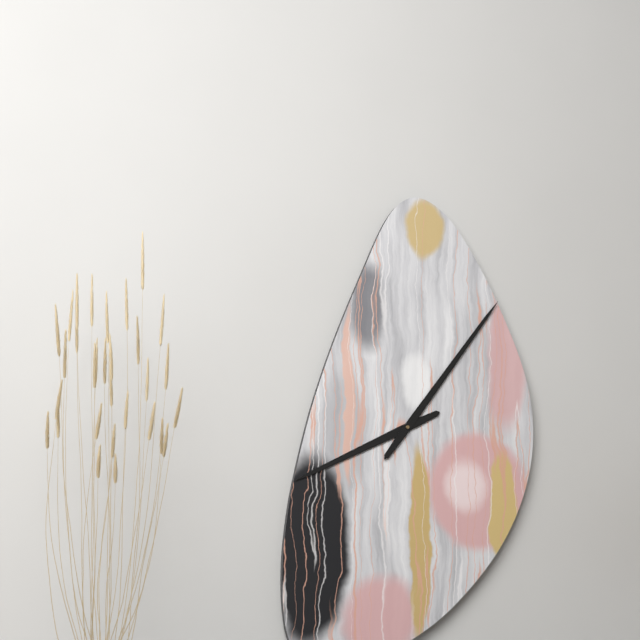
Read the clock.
8:06
